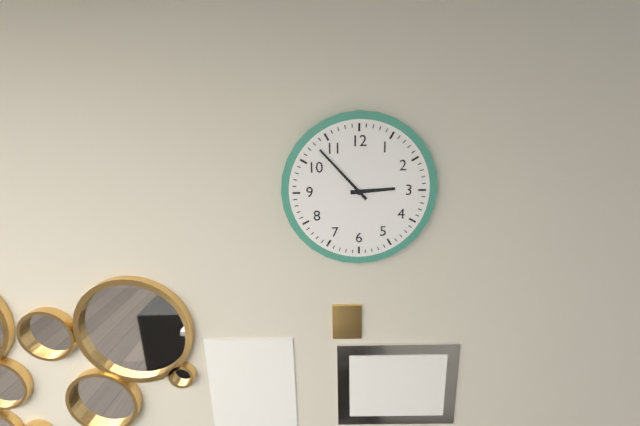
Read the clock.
2:53
